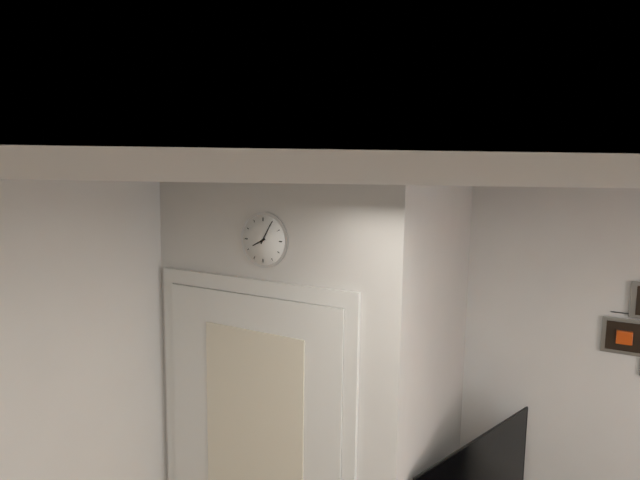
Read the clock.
8:05
